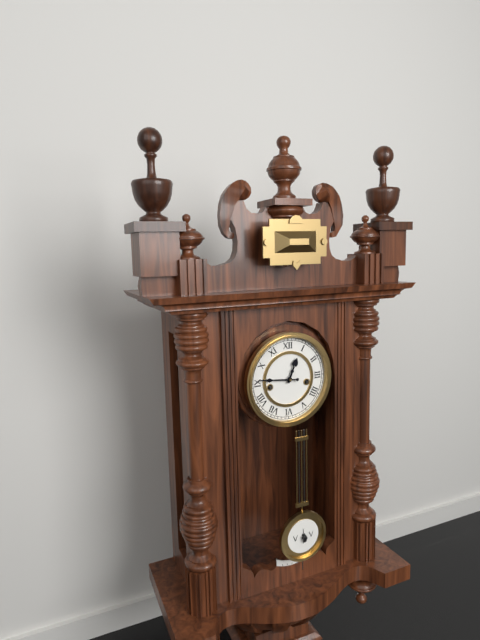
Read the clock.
12:46
